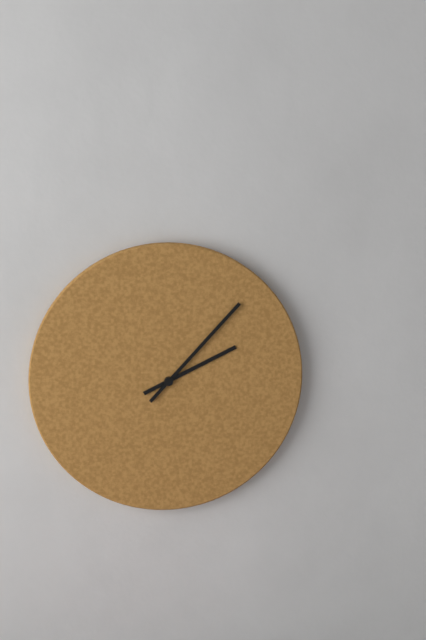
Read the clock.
2:07
